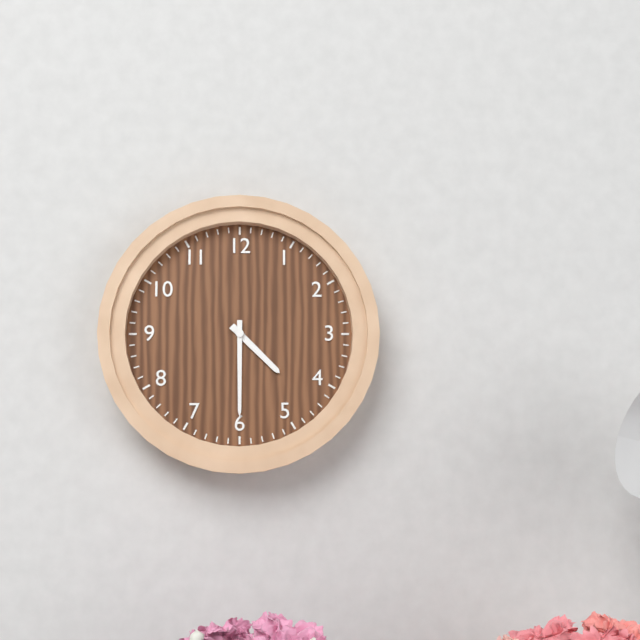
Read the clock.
4:30
